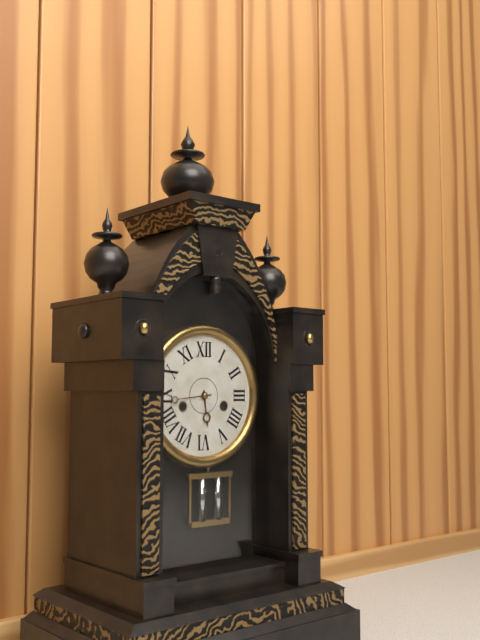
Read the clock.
5:44
